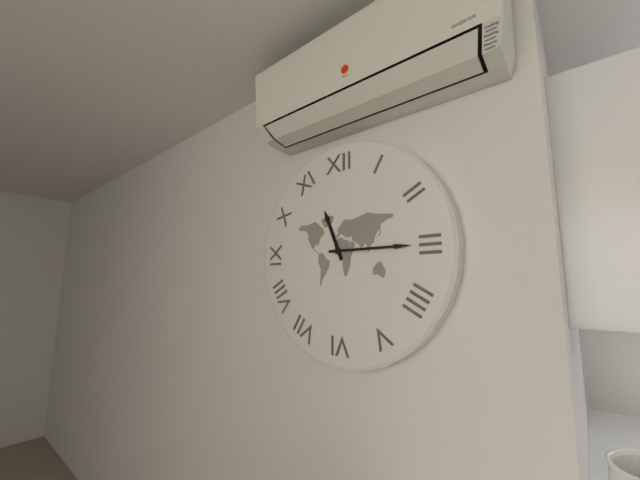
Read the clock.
11:15
